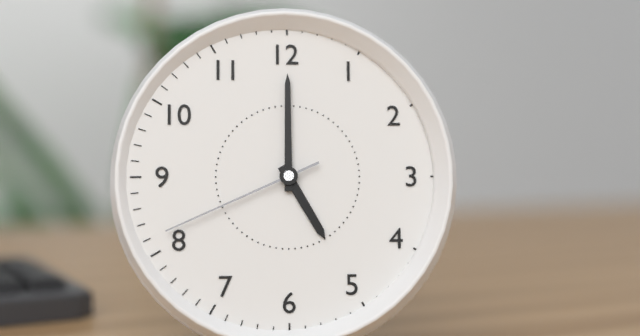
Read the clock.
5:00:41
